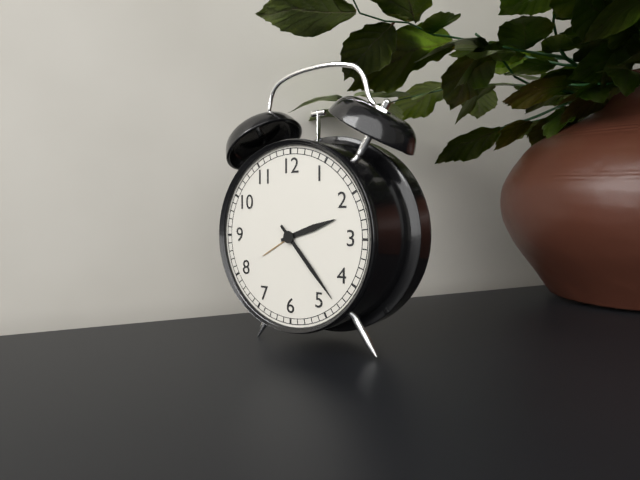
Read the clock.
2:23
